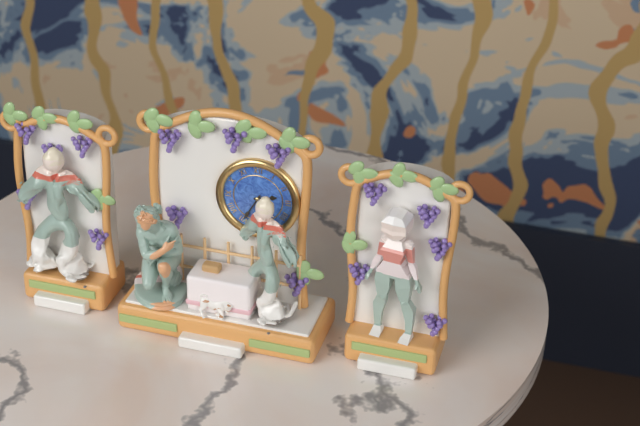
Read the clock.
2:35
